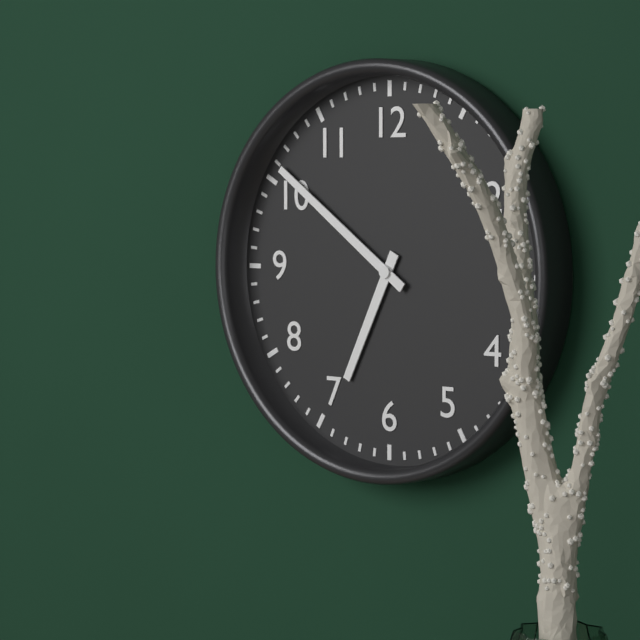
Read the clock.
6:51
